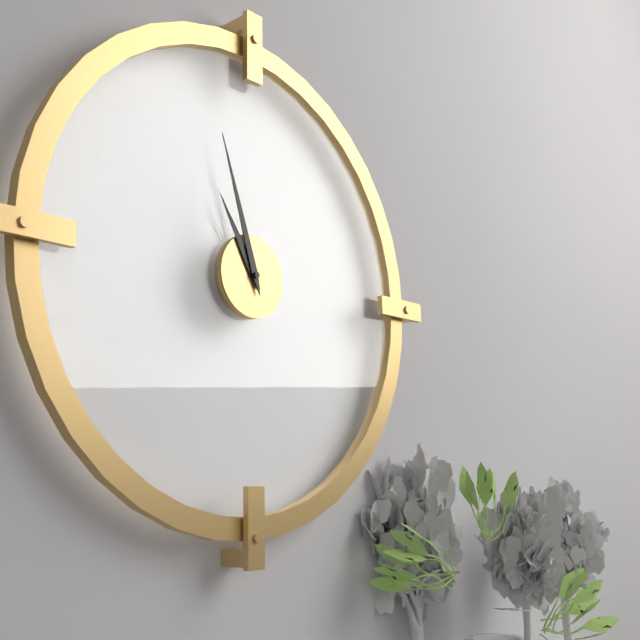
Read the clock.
10:57
